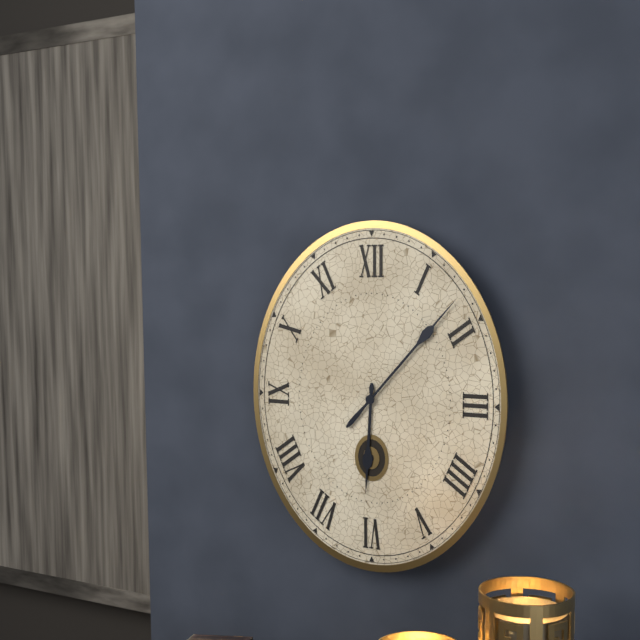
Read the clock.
6:07
